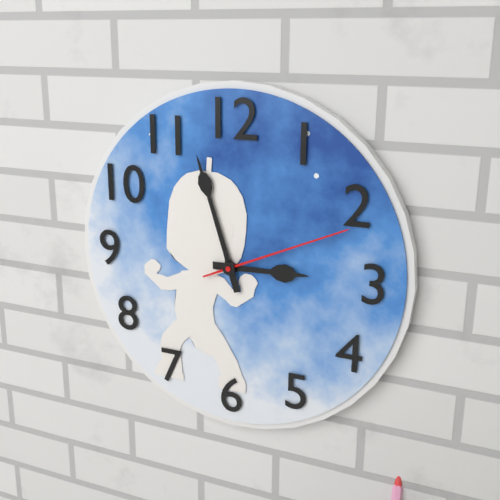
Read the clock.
2:57:11
